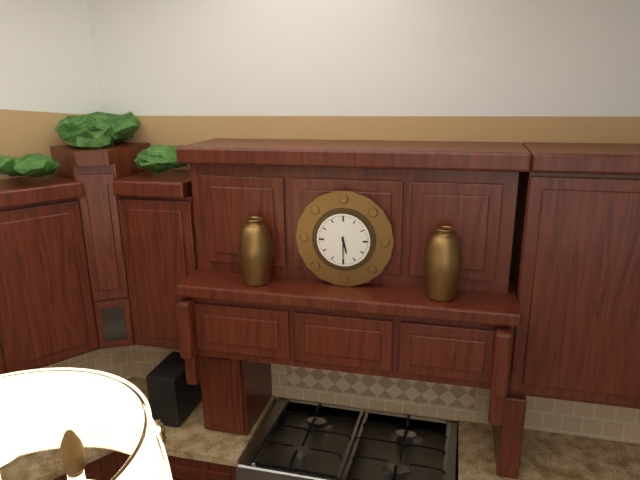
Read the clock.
5:30
